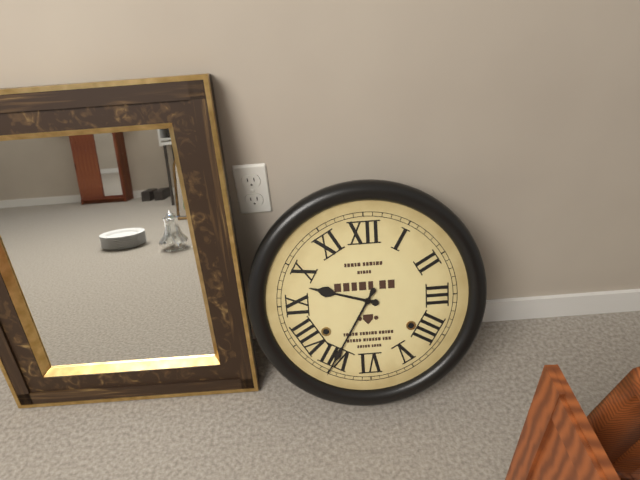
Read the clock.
9:35
